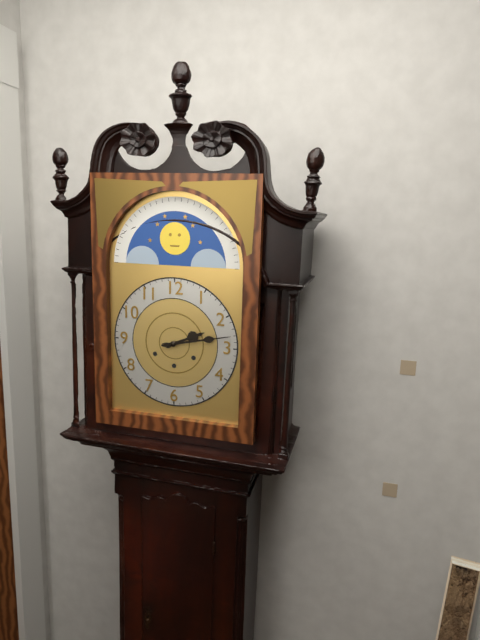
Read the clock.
2:13
